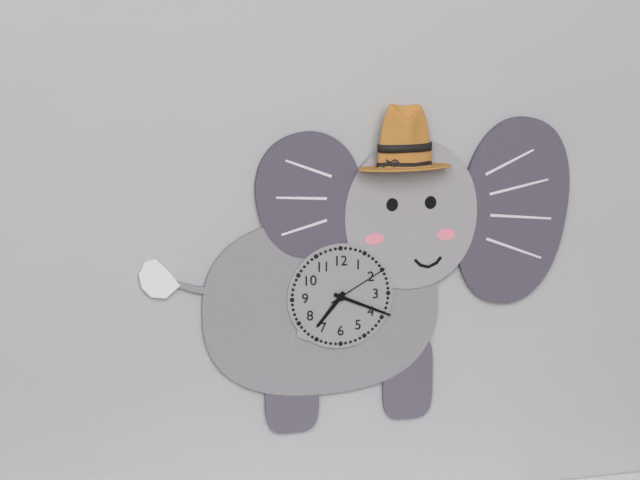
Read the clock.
7:19:10
